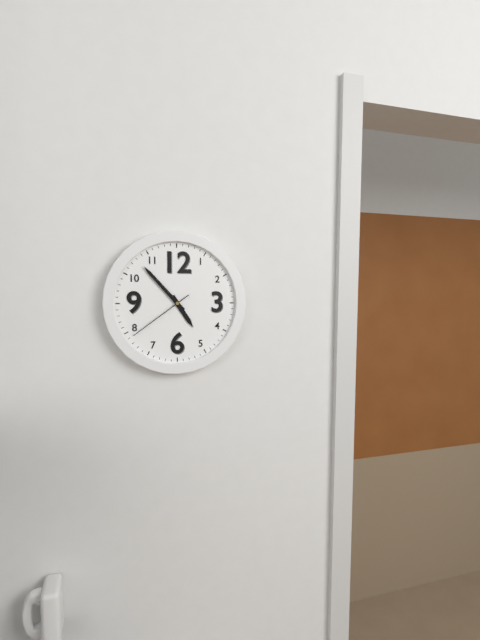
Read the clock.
4:53:39
